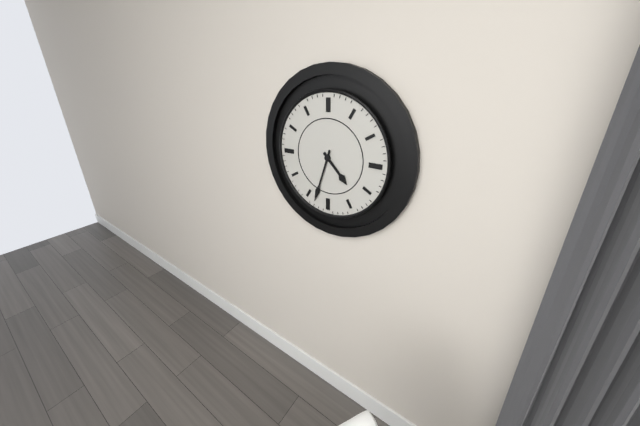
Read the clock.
4:33
